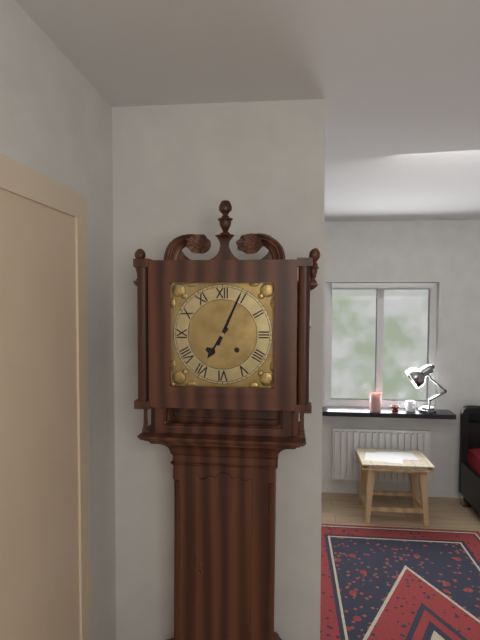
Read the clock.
7:04
